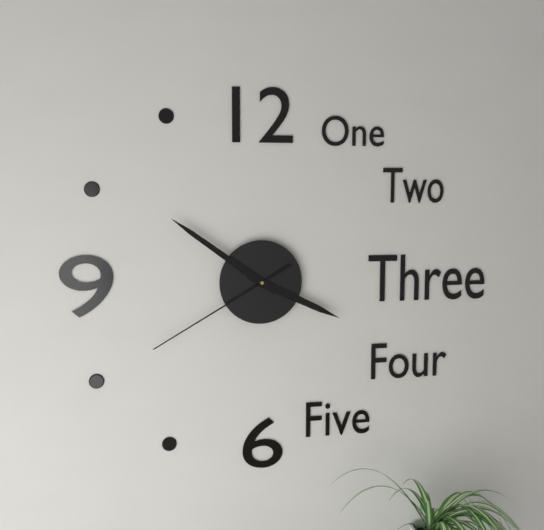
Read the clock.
3:51:40
